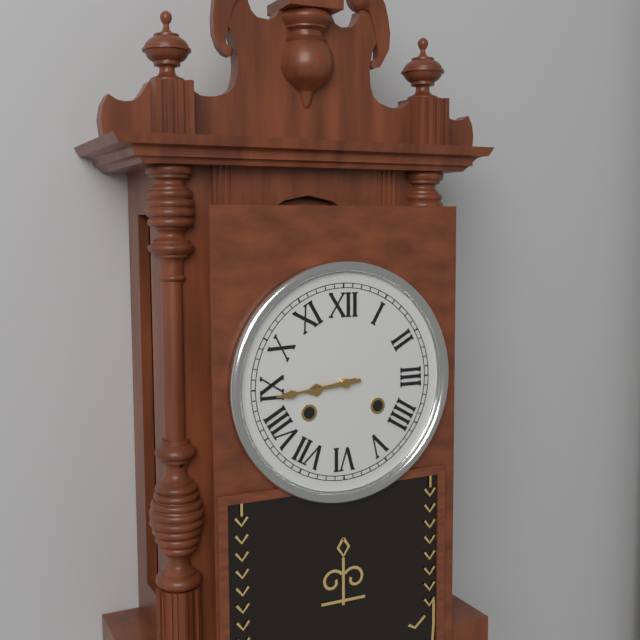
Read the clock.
8:44
